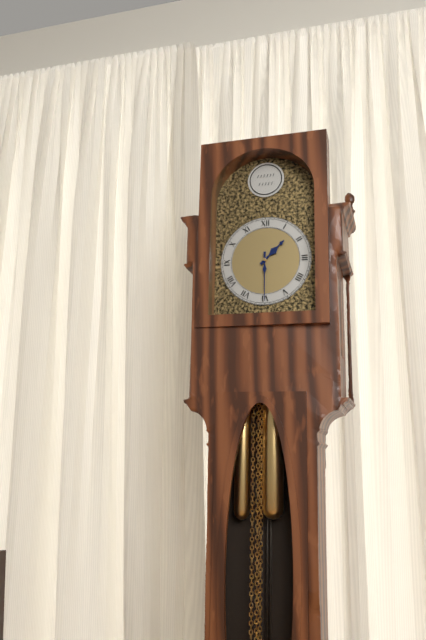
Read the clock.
1:30
